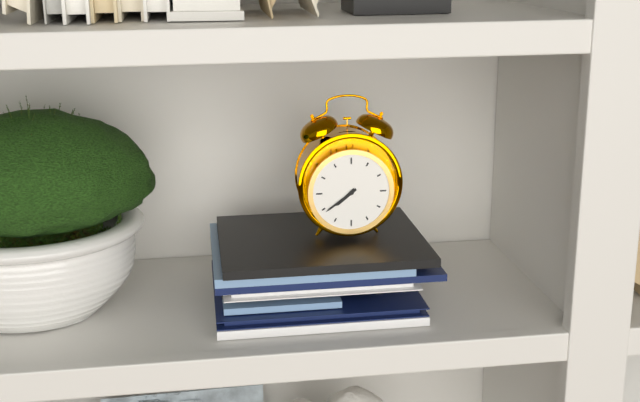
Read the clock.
7:39
